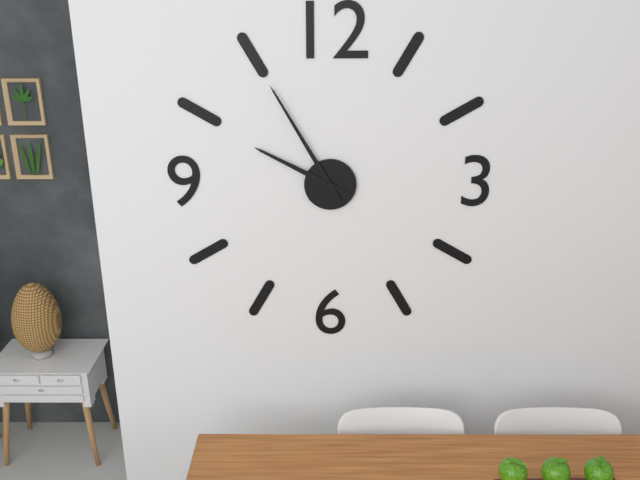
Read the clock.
9:55
